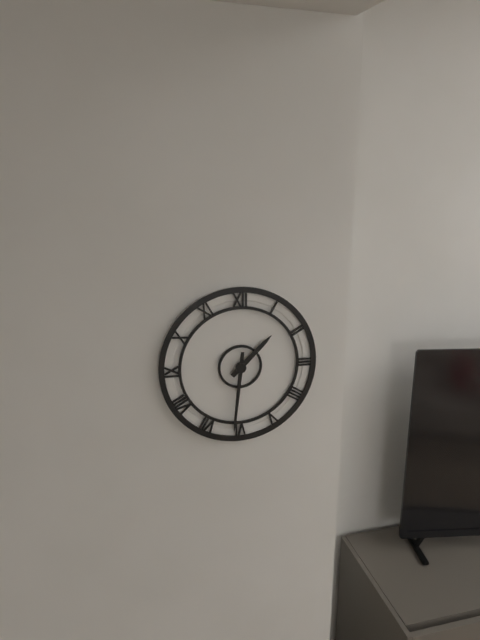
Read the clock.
1:31
